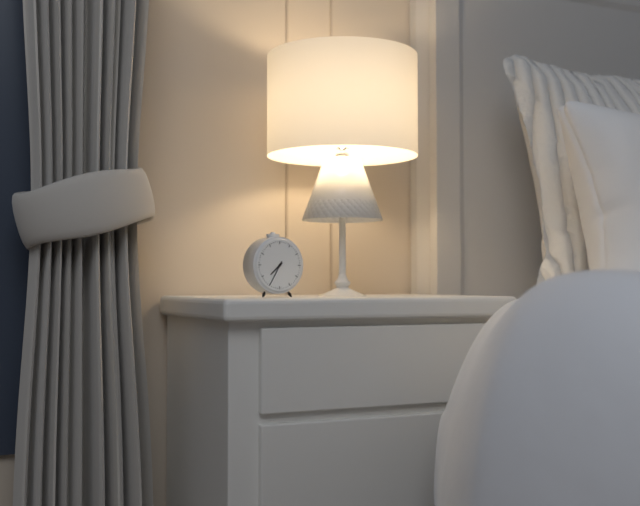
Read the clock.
7:35
